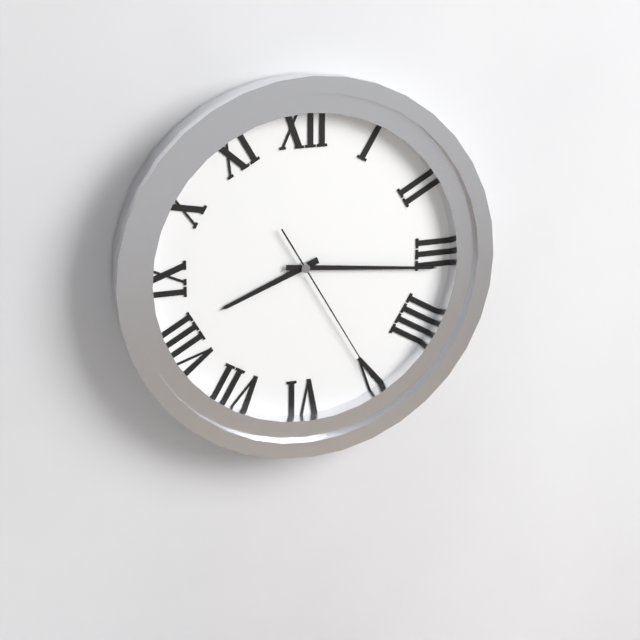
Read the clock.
8:16:25
